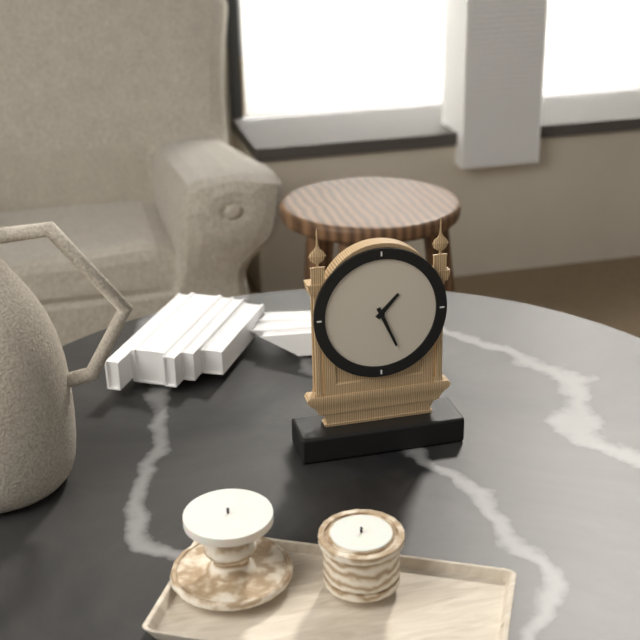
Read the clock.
1:26
